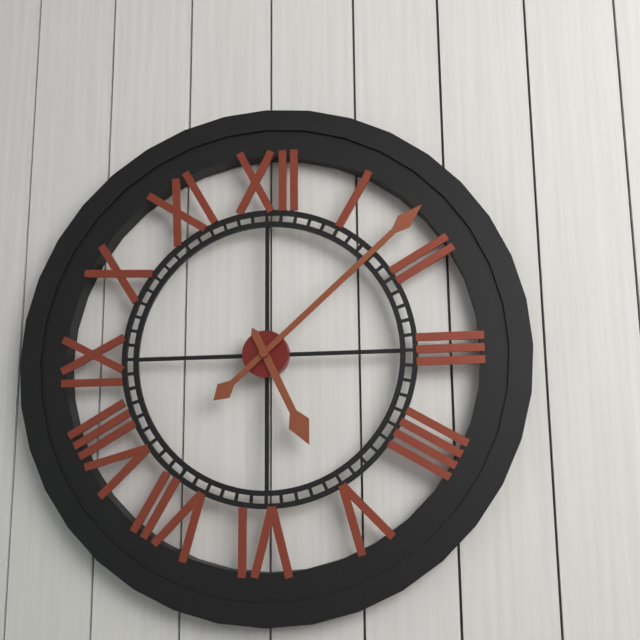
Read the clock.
5:08
